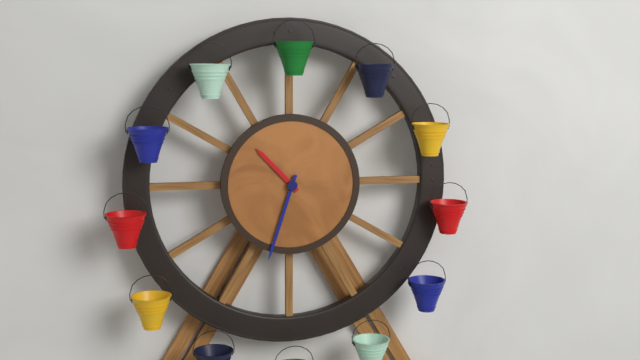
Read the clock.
10:33
